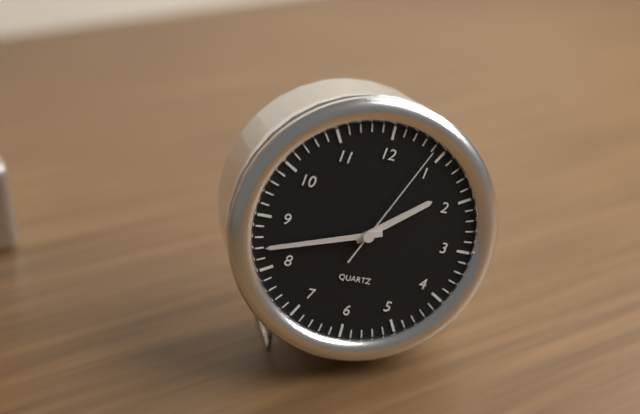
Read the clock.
1:42:04
